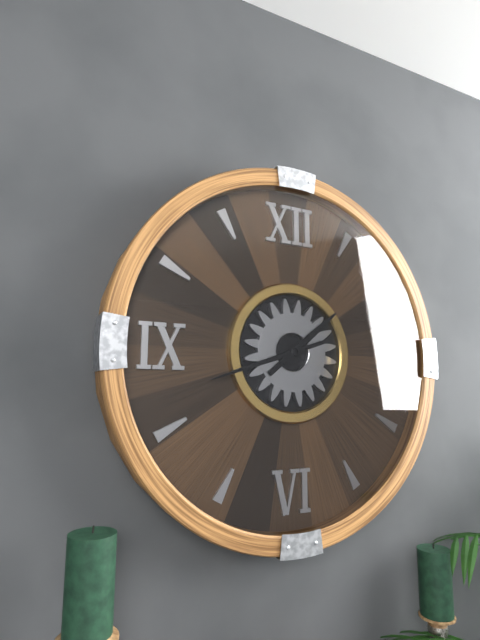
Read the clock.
1:42
